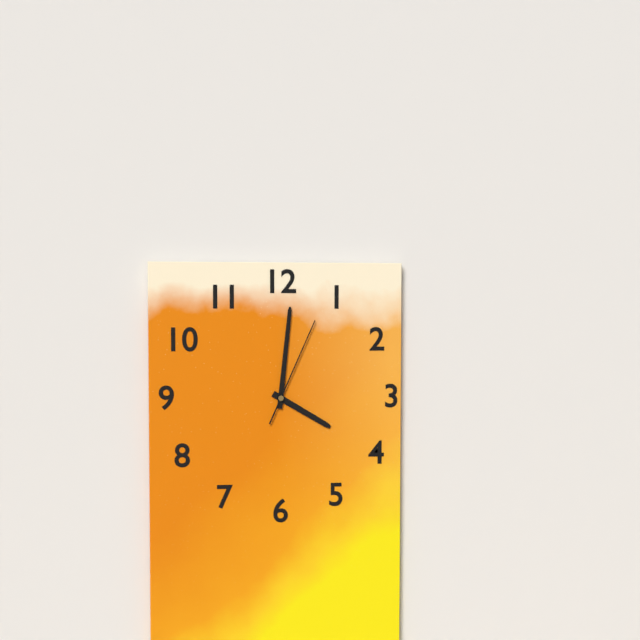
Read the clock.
4:01:04
